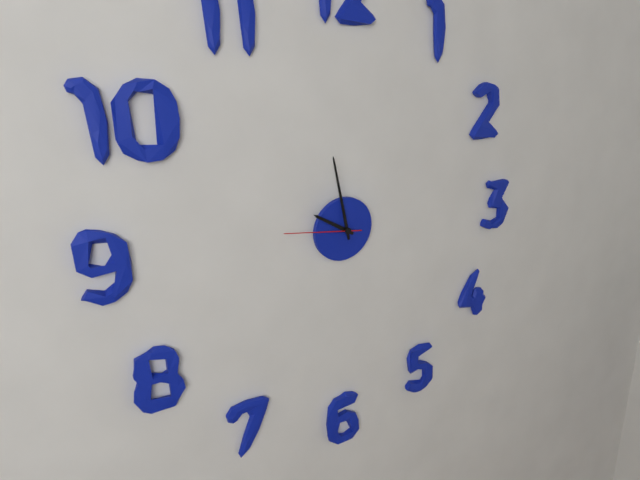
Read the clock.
9:58:46
